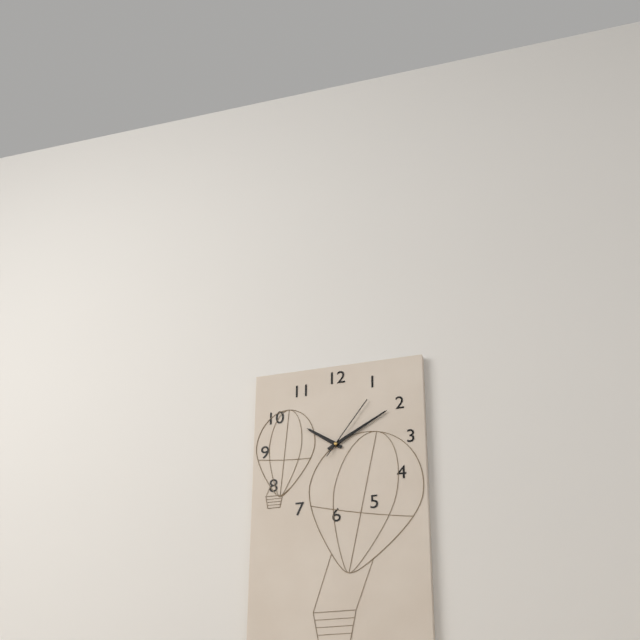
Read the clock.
10:10:06
